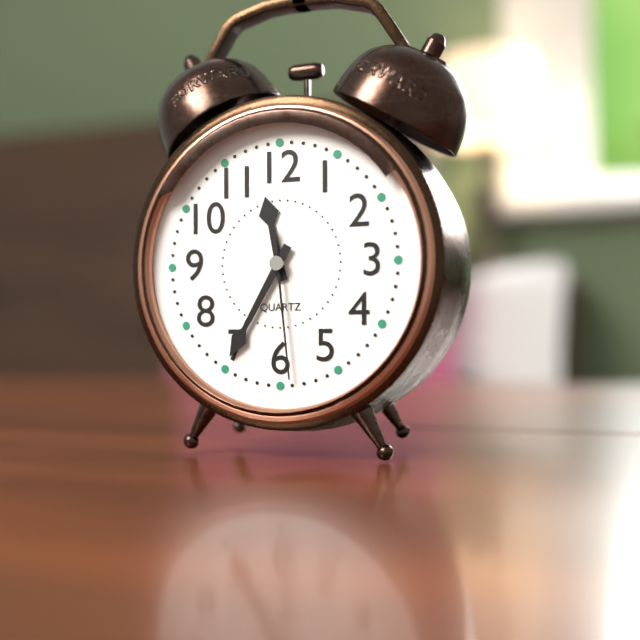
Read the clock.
11:35:29
